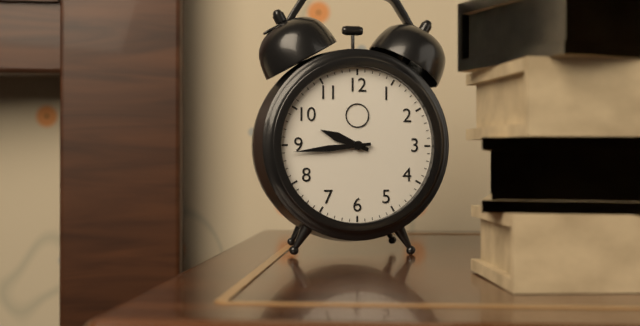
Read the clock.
9:44
